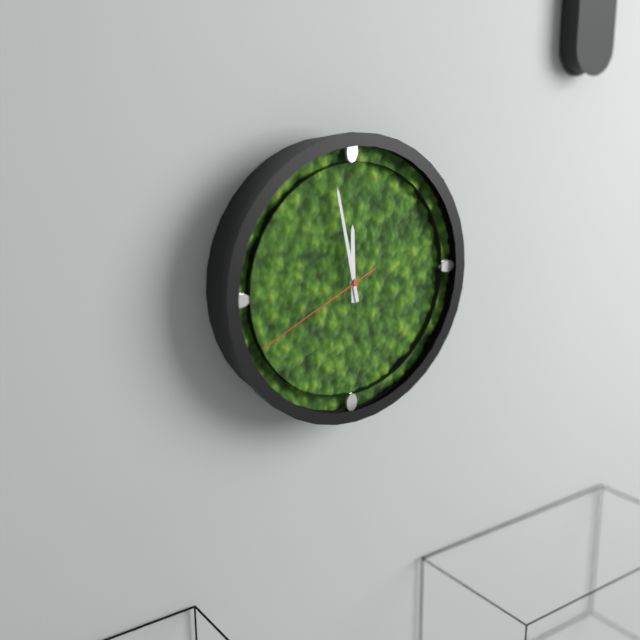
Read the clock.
11:58:41
